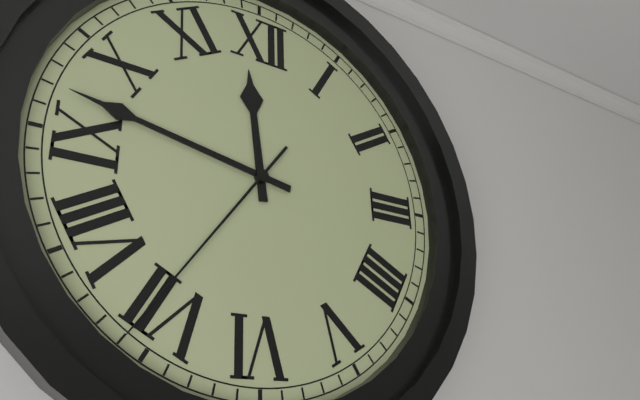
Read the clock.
11:47:36
